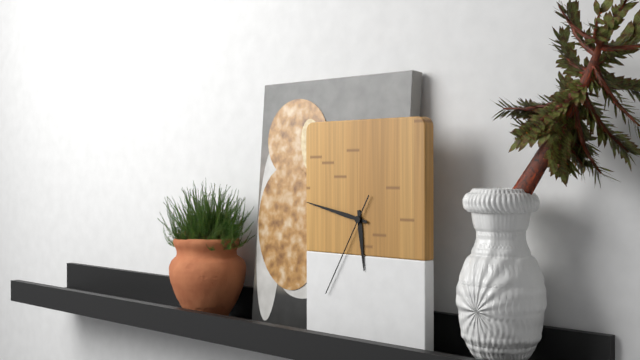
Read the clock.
5:47:35
